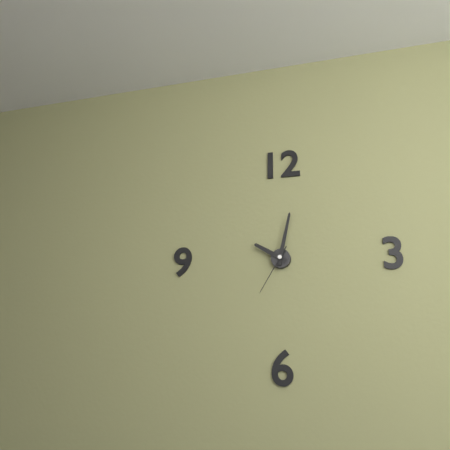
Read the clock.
10:02:35
